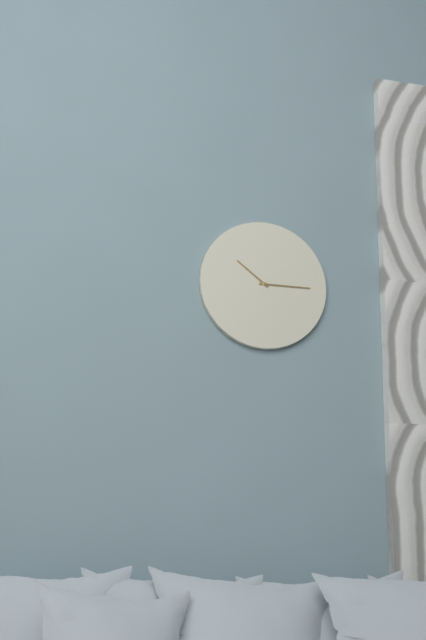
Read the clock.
10:15
